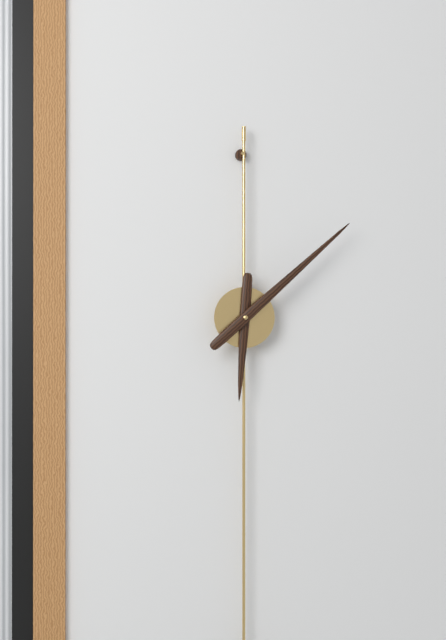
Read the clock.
6:08
